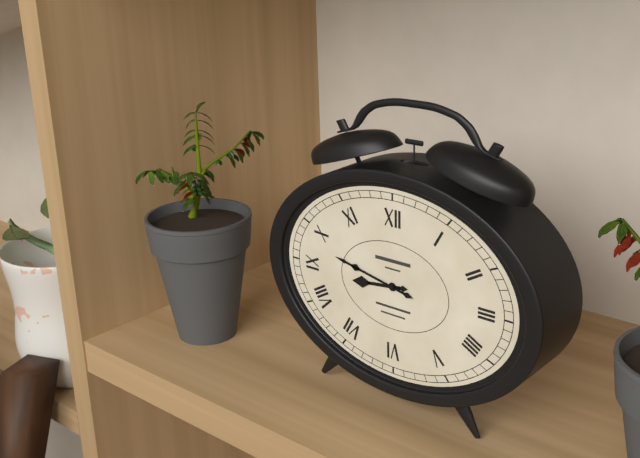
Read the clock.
8:47
